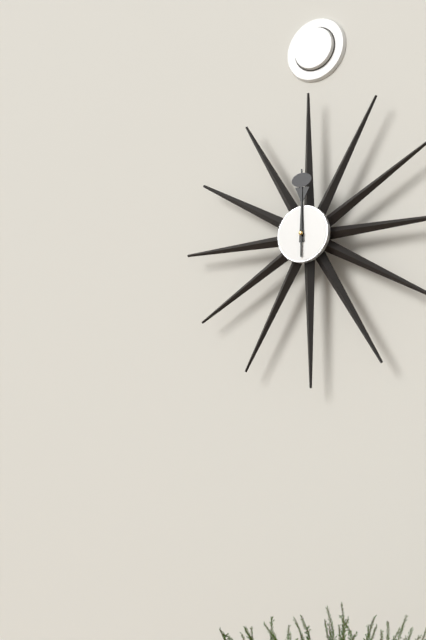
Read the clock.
12:00
